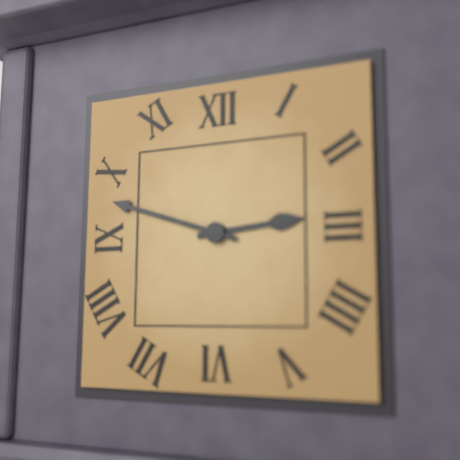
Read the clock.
2:48
